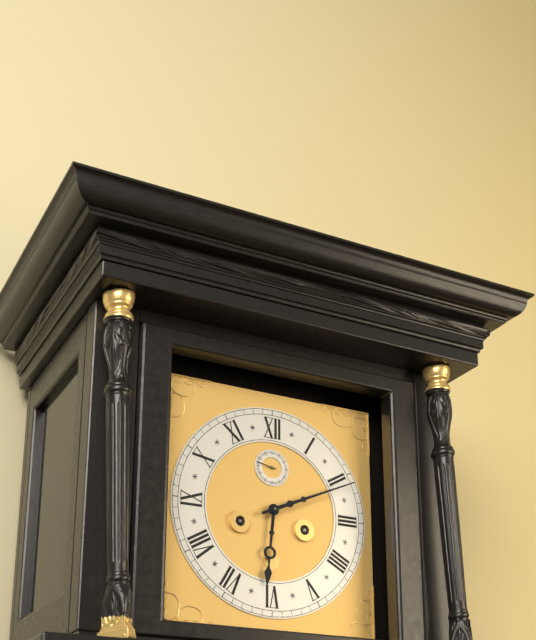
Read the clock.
6:11
